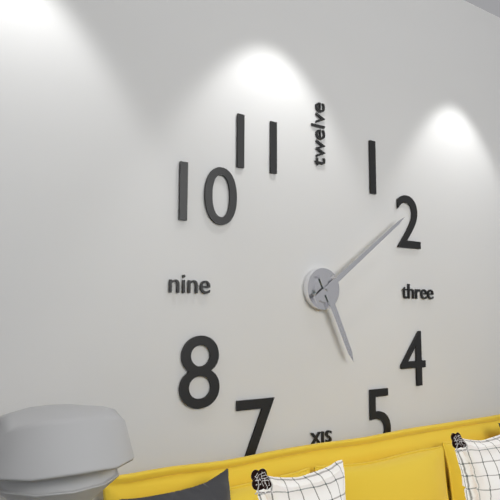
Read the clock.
5:09
